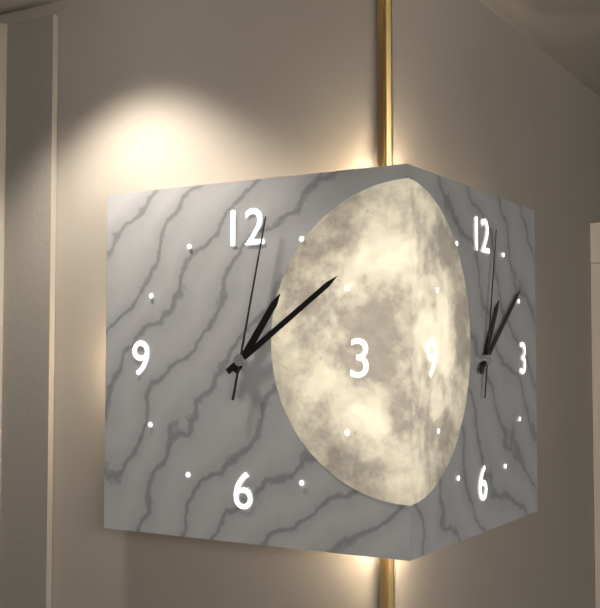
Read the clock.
1:09:02
